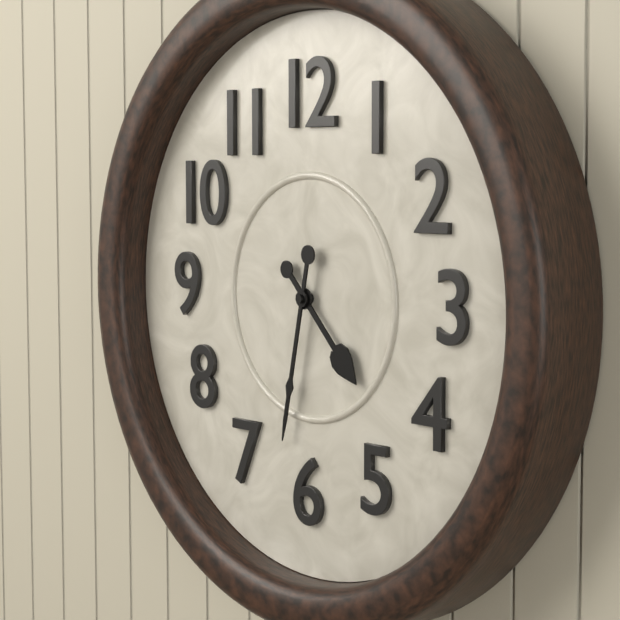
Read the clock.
4:32
